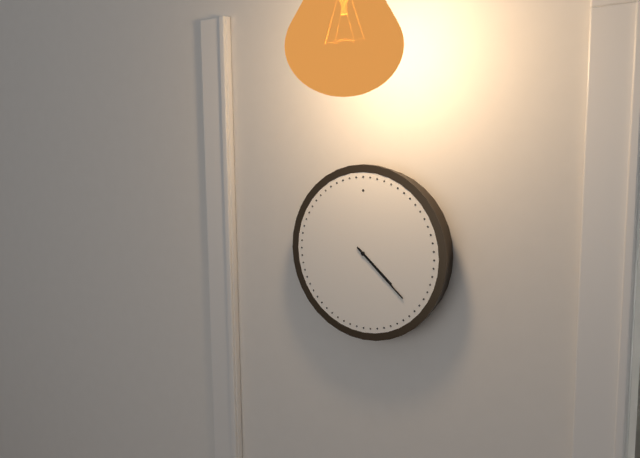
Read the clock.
4:22
